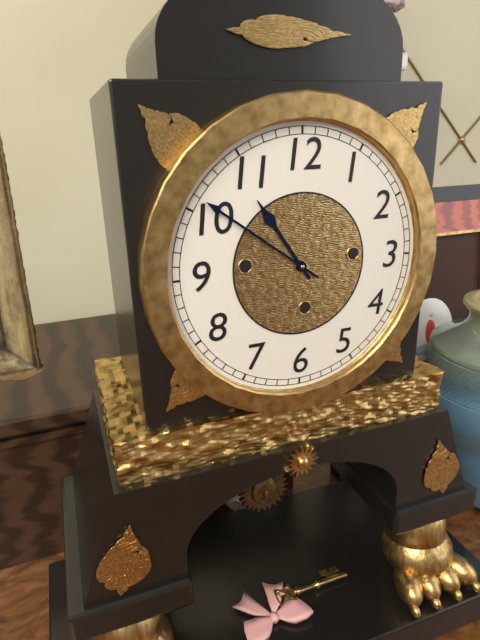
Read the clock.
10:51
